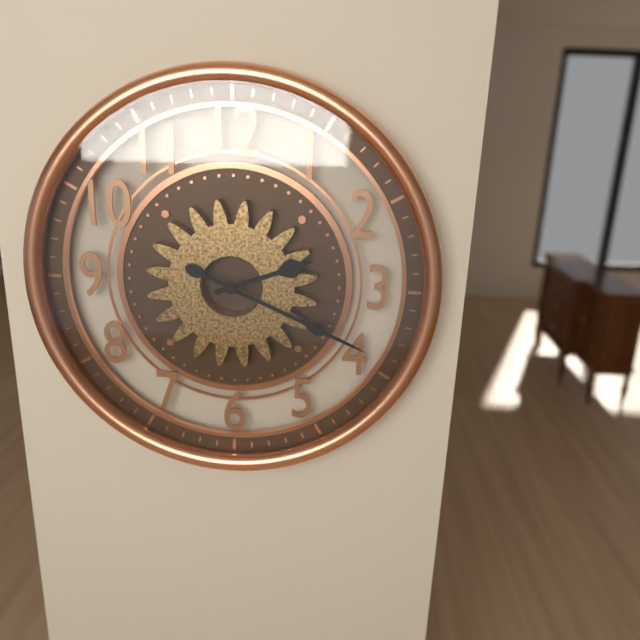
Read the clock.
2:19
